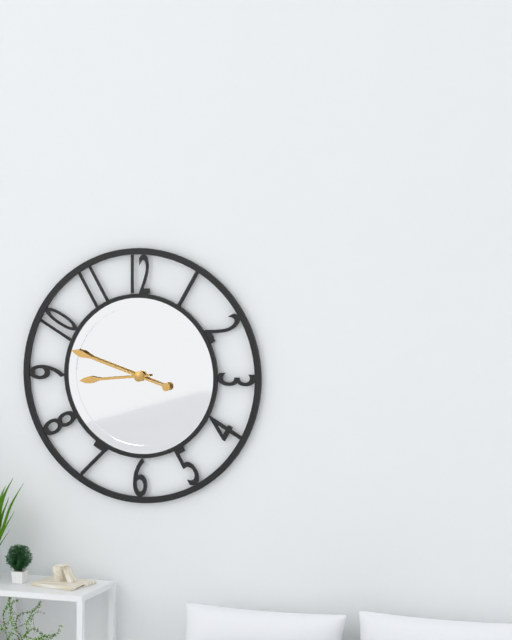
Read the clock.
8:48
